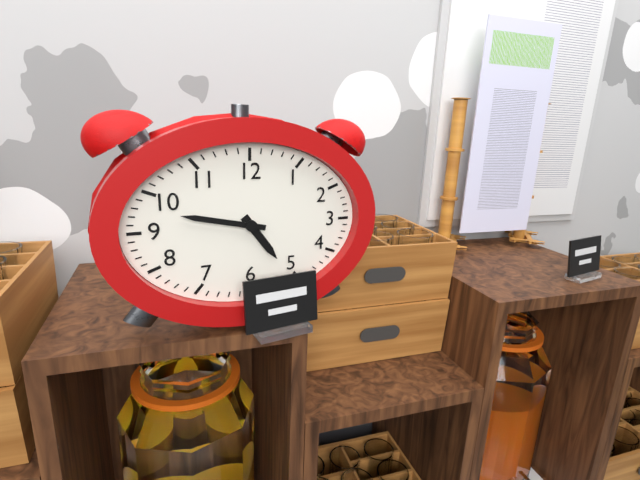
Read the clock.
4:47
